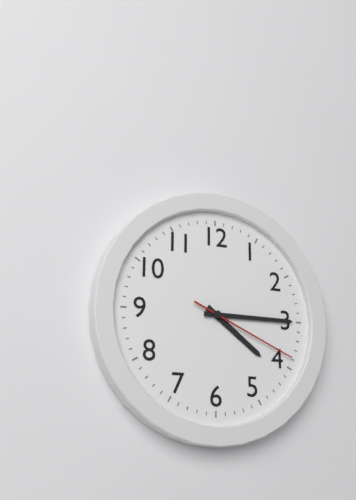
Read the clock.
4:15:19
